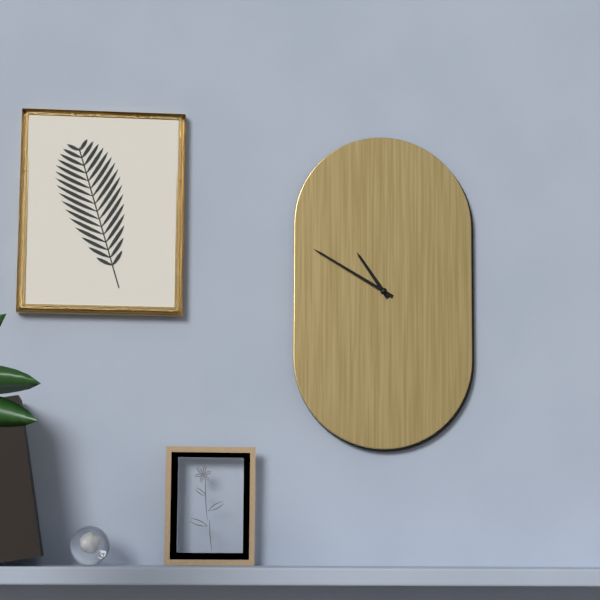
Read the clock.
10:50
